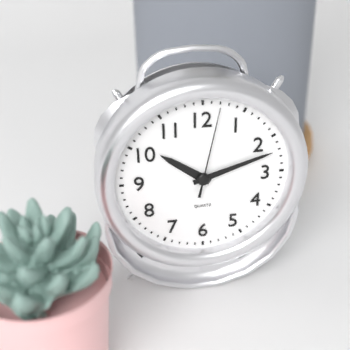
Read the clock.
10:12:02
